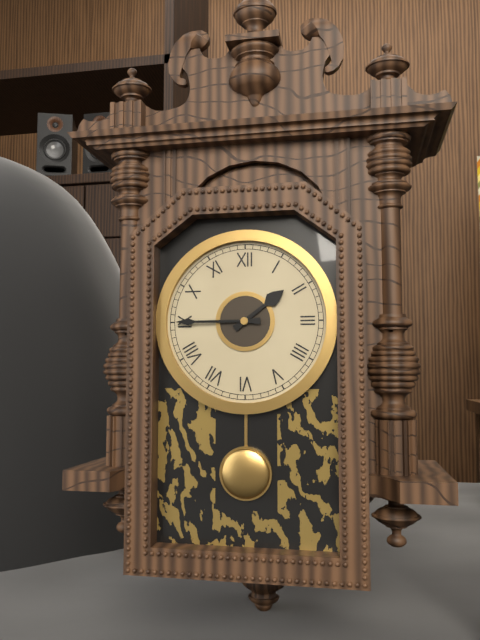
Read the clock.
1:45
